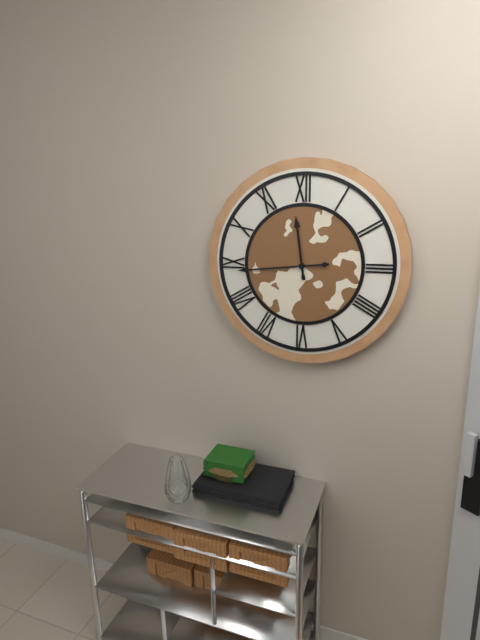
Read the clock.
11:44
